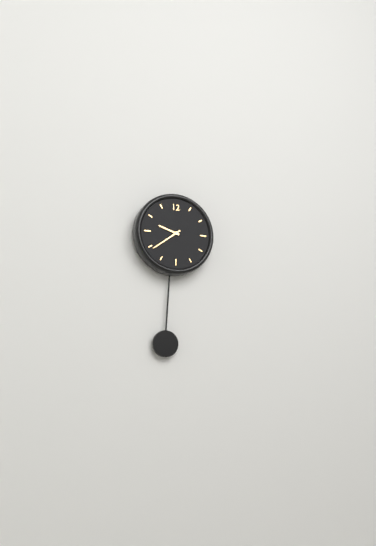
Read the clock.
9:39
